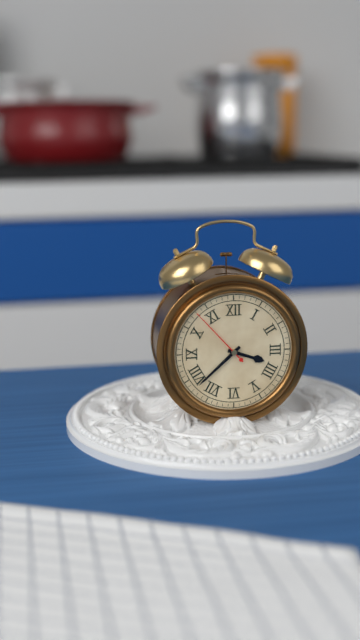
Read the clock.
3:38:53
